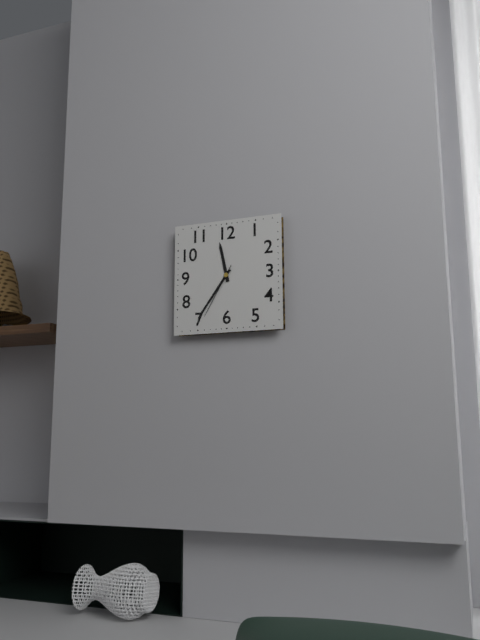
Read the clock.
11:36:35
